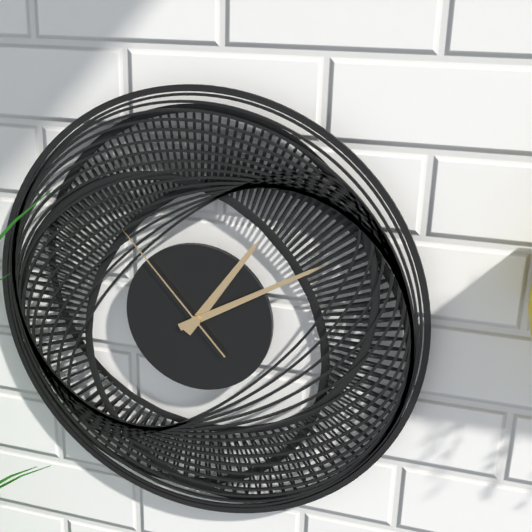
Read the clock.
1:10:53
